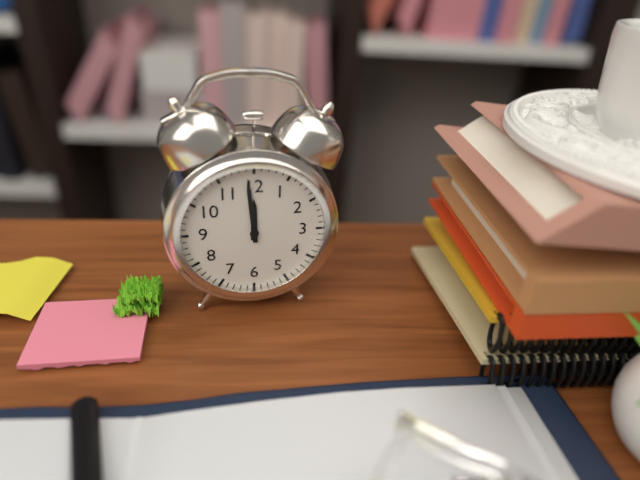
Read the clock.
11:59
